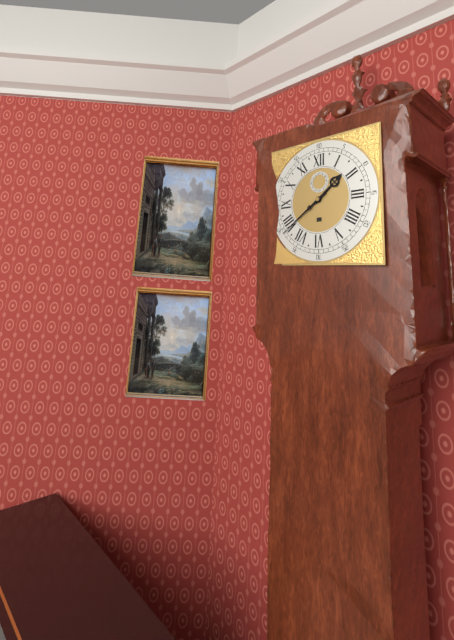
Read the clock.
1:39
